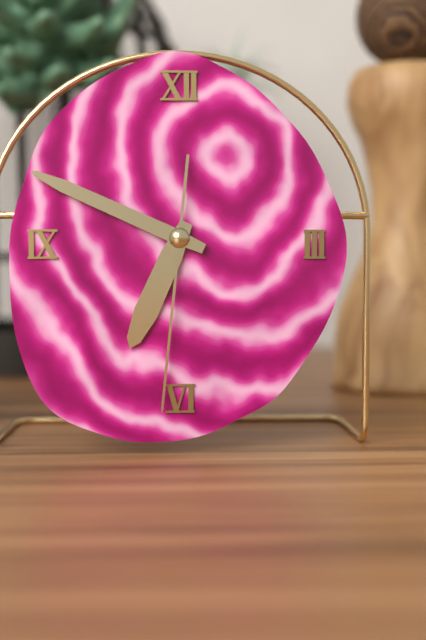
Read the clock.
6:49:31
